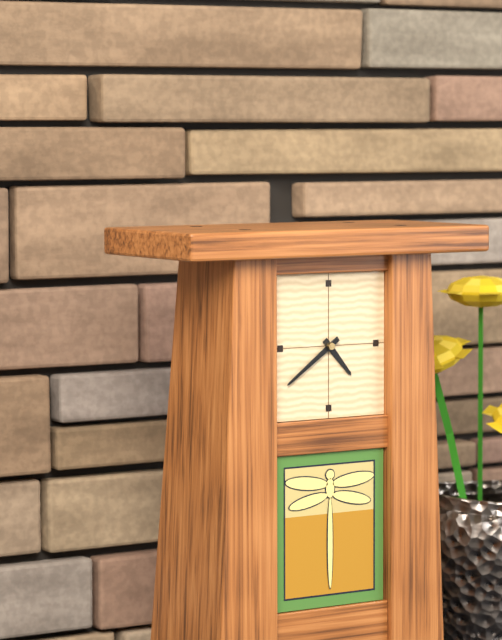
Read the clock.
4:39
